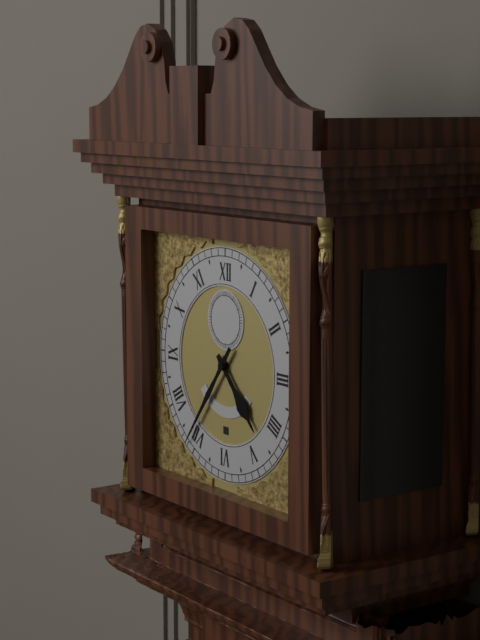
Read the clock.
4:36
